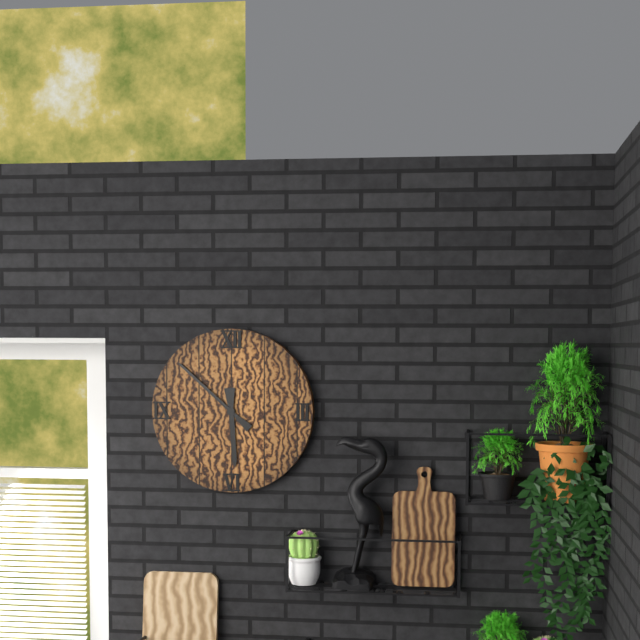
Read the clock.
5:52
